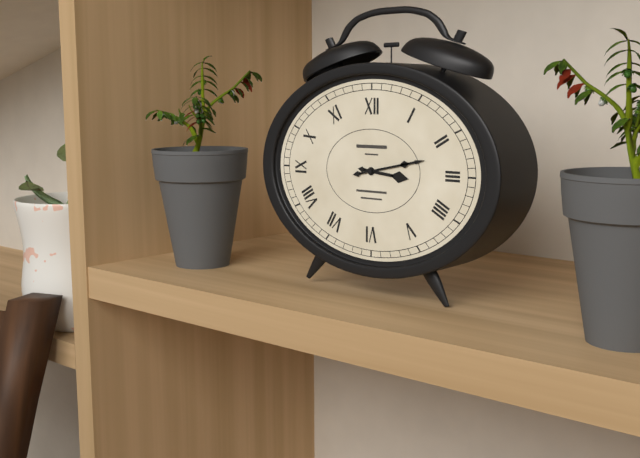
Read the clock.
3:13
